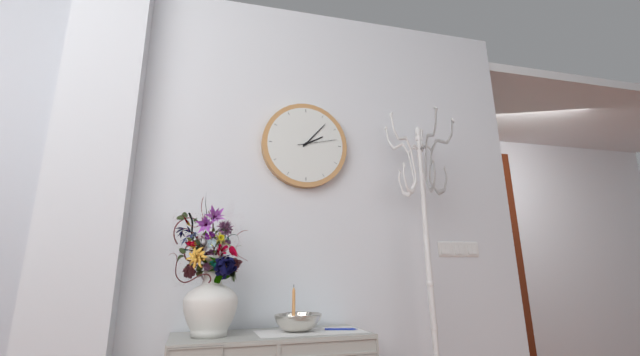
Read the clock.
2:07
